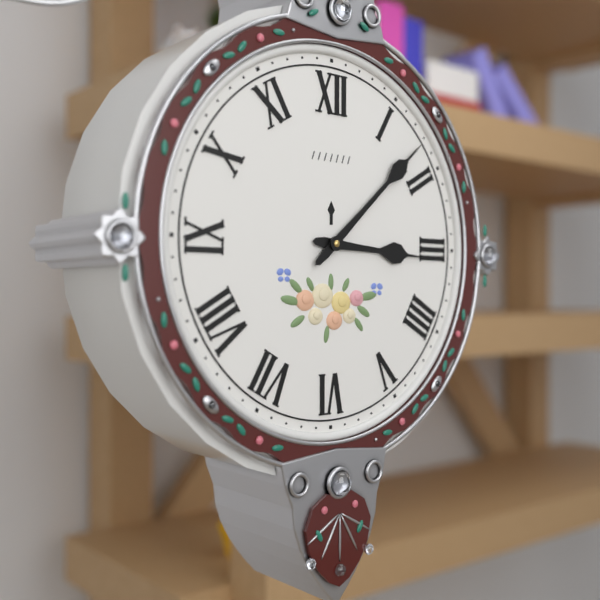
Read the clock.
3:08
